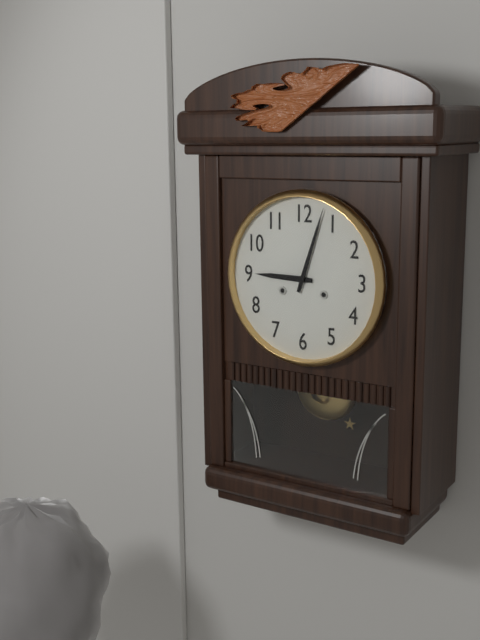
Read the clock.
9:03
